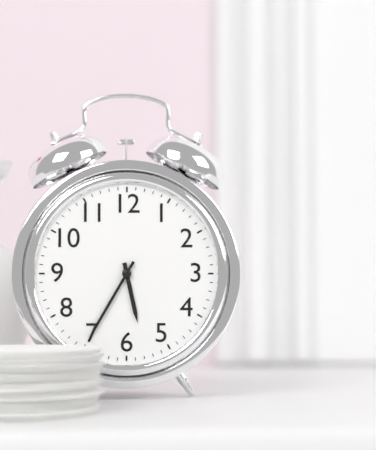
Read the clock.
5:35
